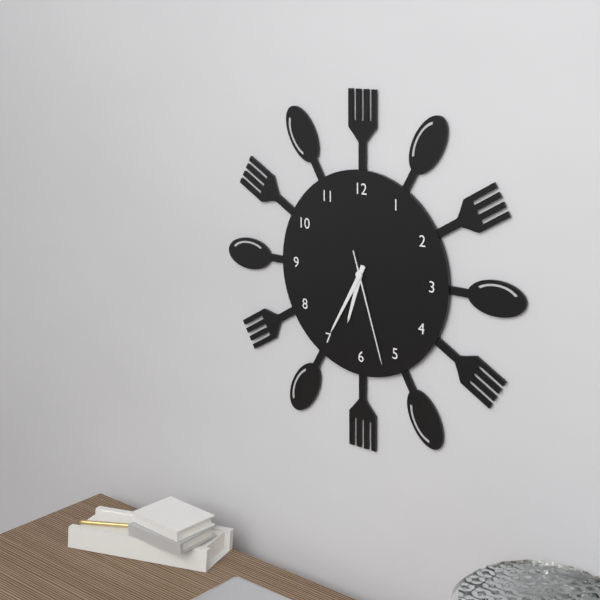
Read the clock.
6:35:27
